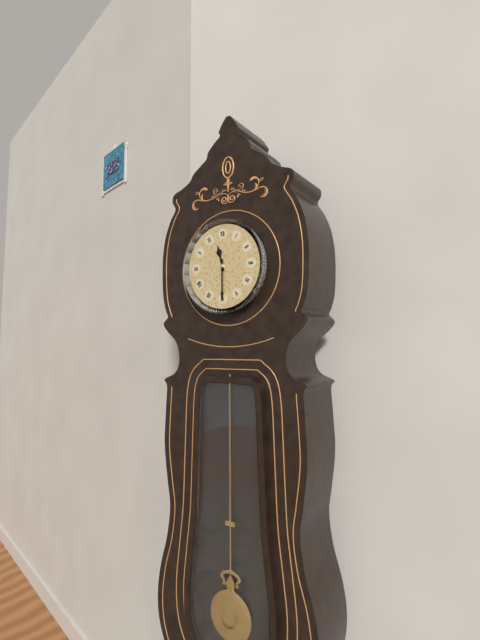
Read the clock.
11:30
